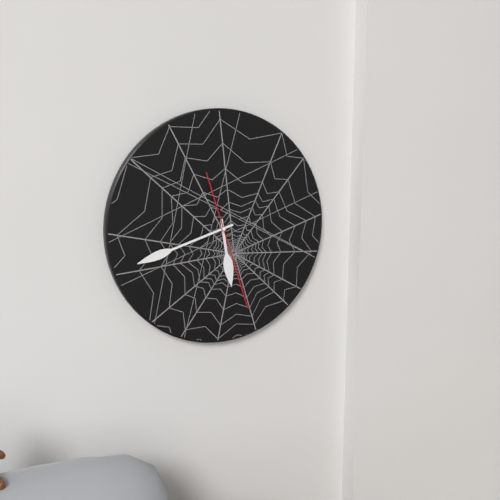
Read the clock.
5:42:27
